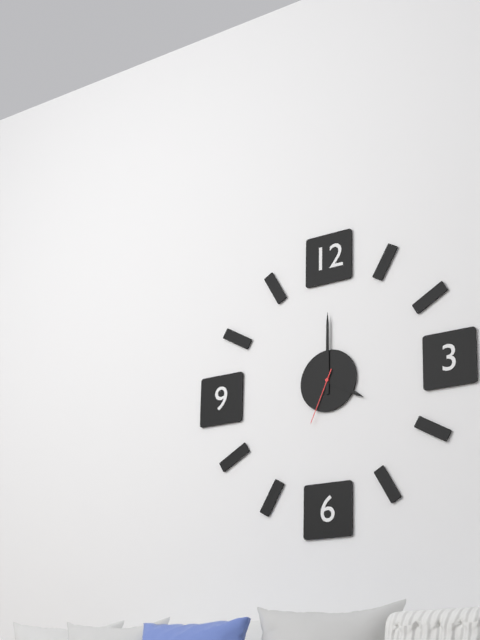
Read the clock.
4:00:34
